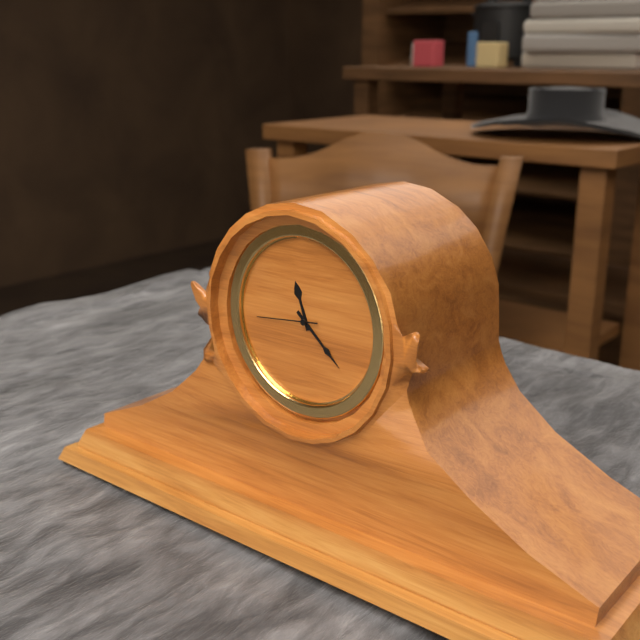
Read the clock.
11:22:44
